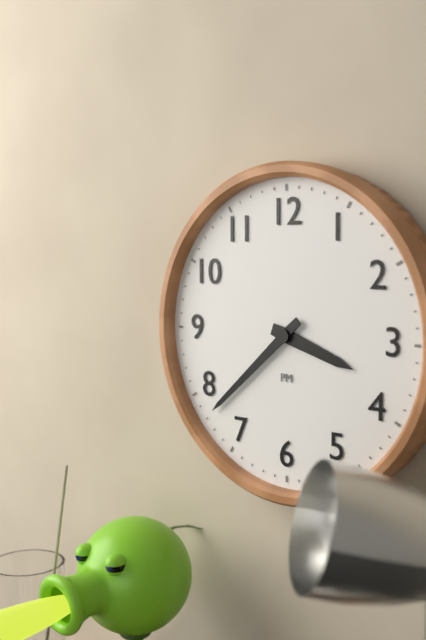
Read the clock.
3:38
